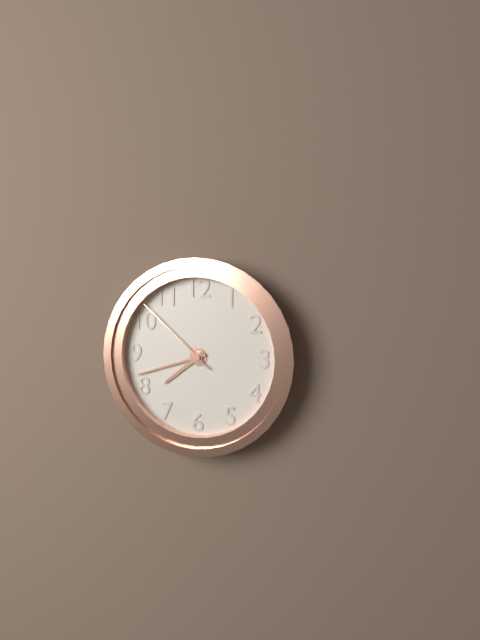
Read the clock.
7:42:52
